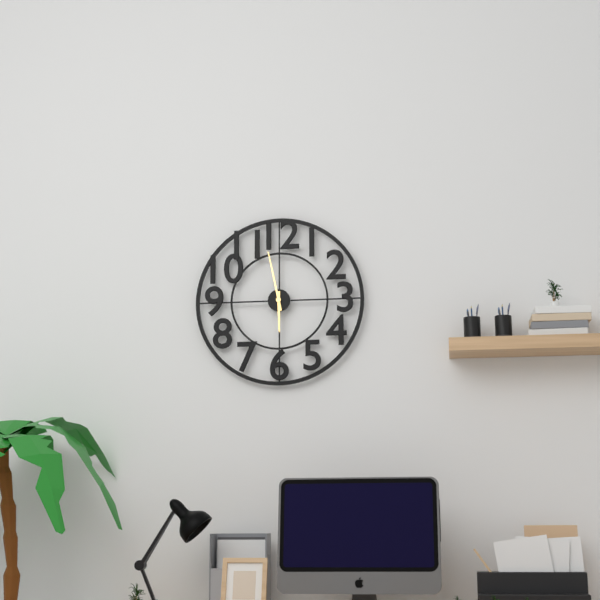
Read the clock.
5:58
